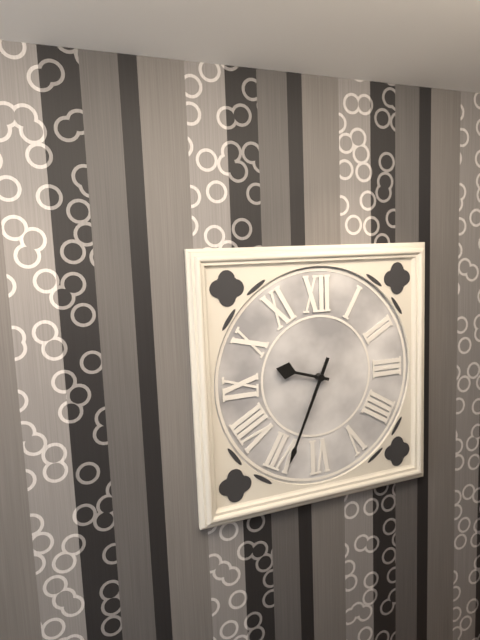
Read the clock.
9:34
